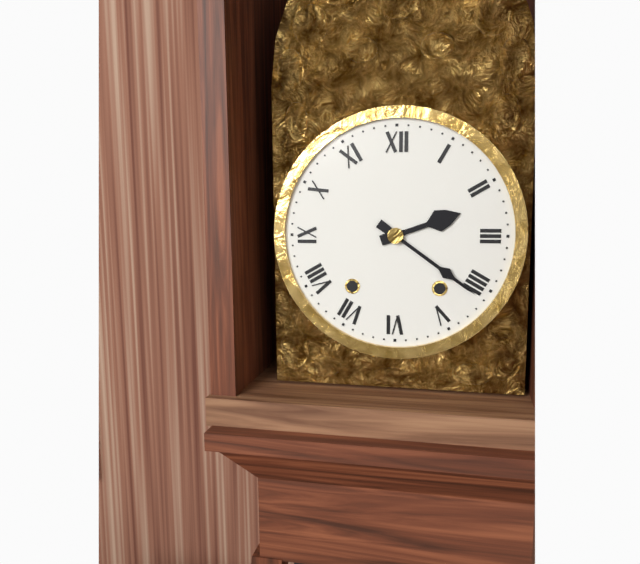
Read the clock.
2:21
